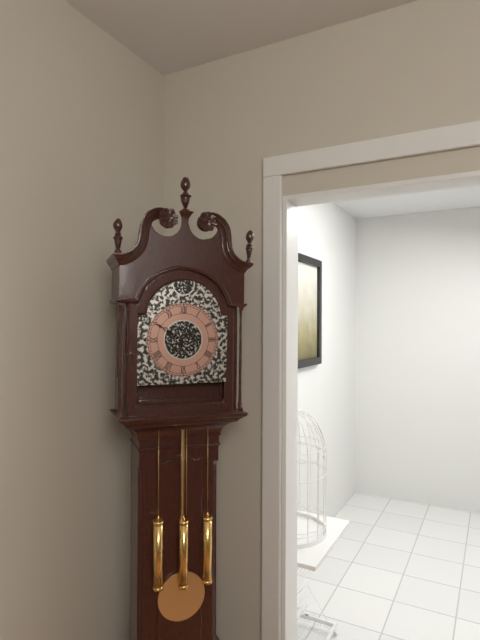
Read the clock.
12:50
